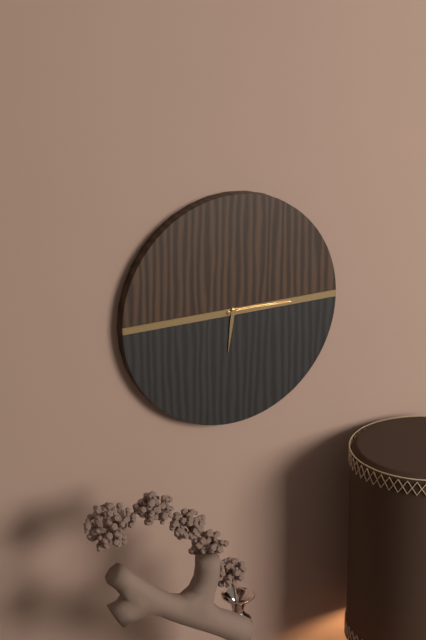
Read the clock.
6:15
